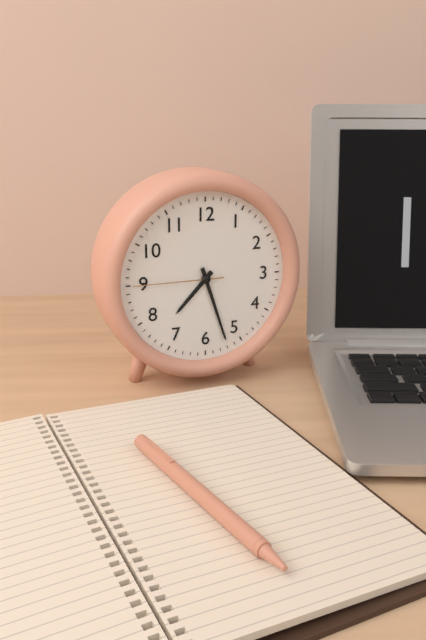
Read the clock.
7:27:45
